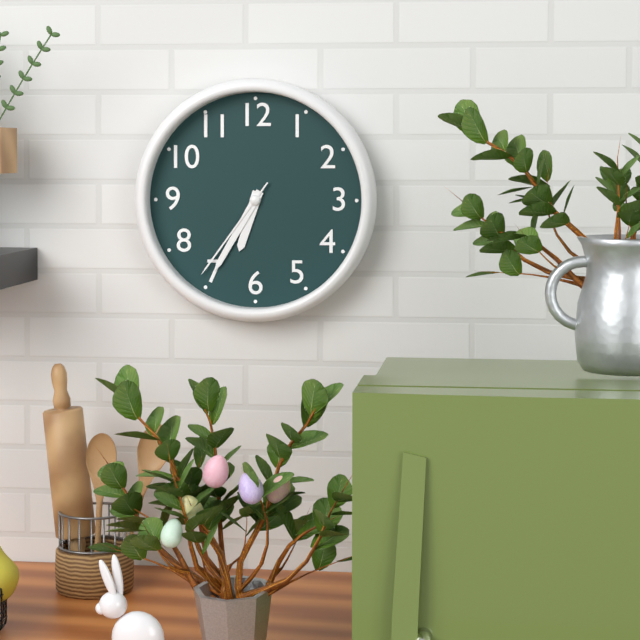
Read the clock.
6:35:36
